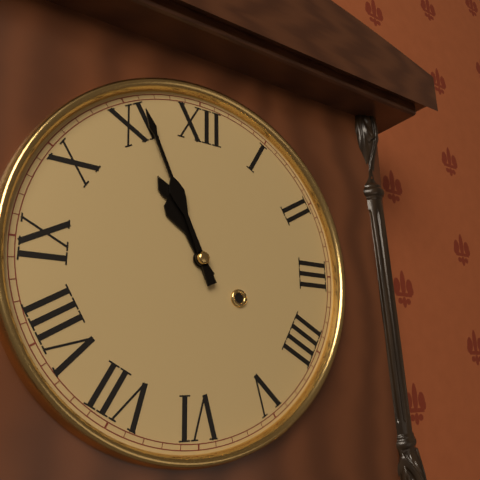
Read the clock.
10:56
